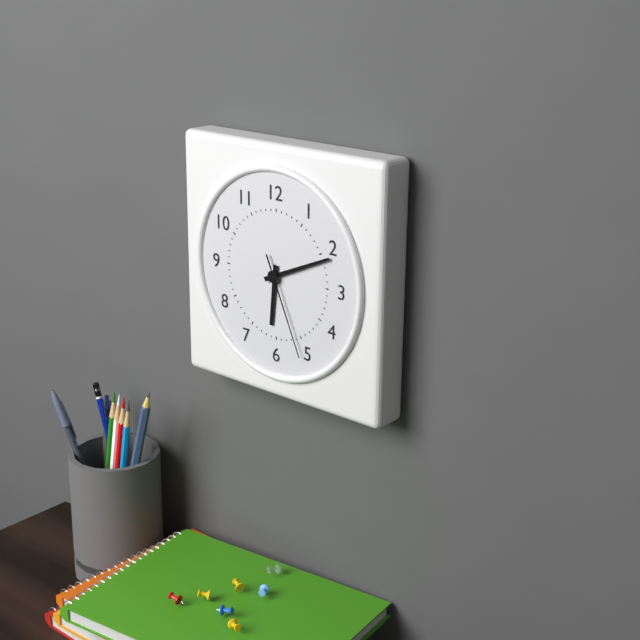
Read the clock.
6:11:26
